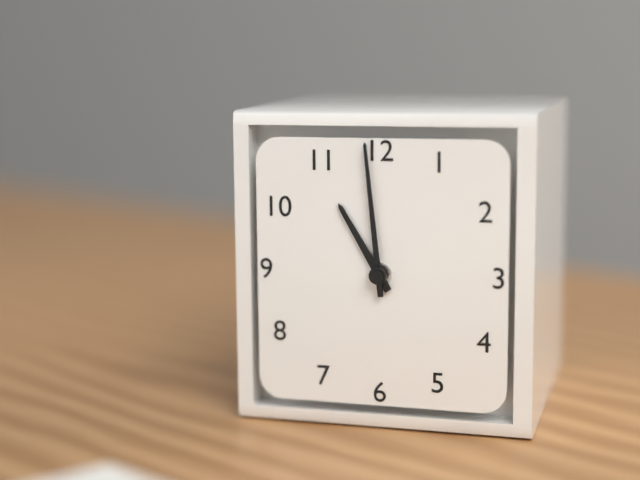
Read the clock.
10:59
